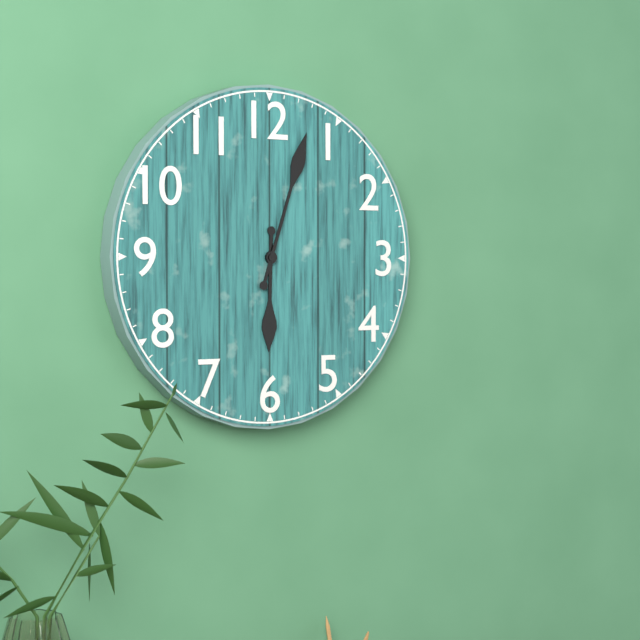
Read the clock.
6:03
